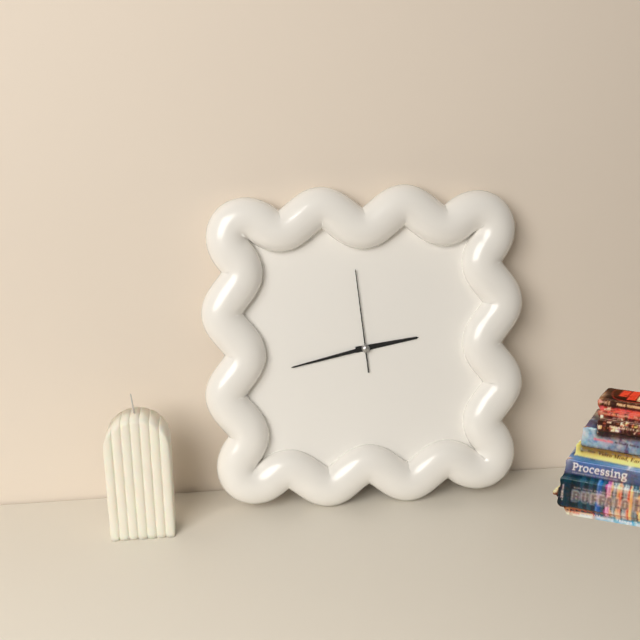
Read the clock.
2:43:59
